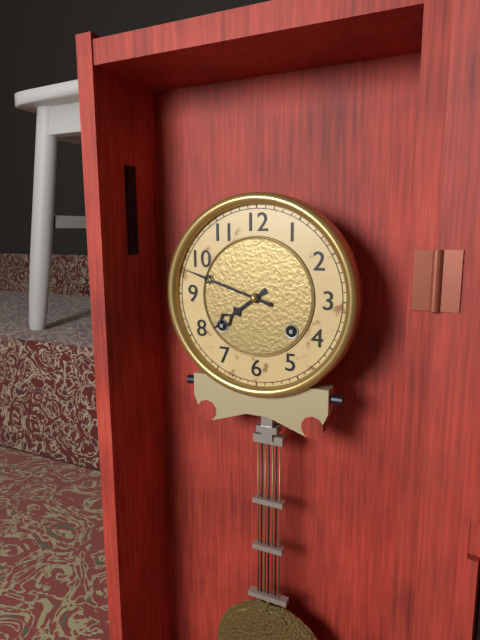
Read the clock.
7:48
